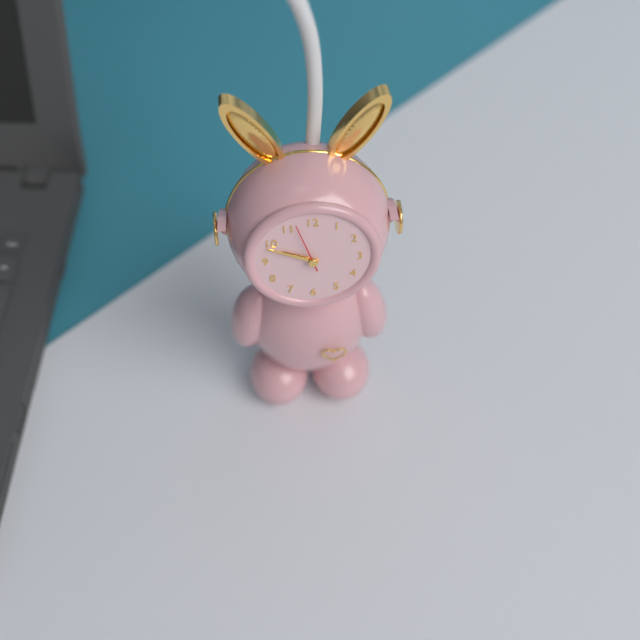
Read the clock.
9:49:57
